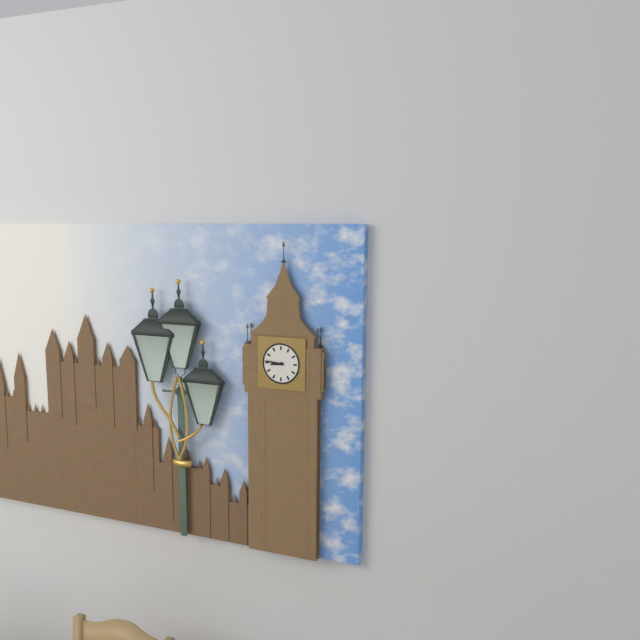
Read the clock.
8:46
